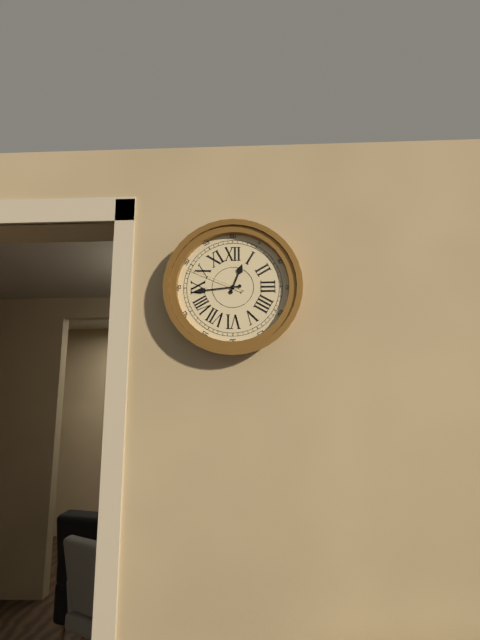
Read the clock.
12:44:49
